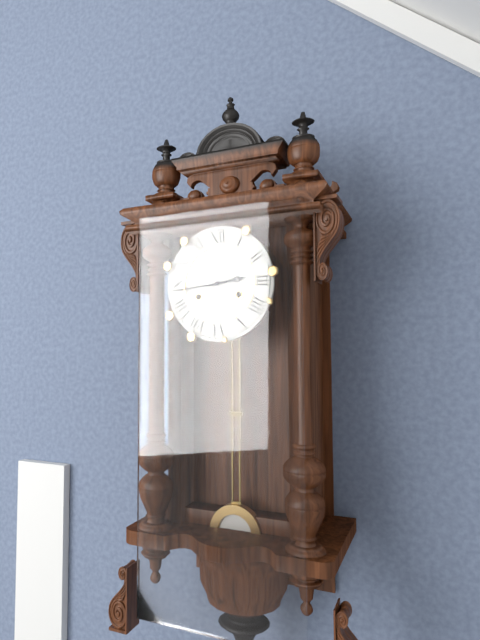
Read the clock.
2:44
